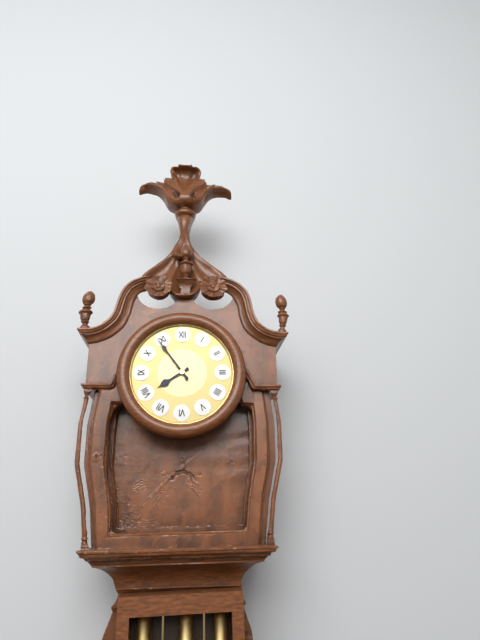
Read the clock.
7:54
